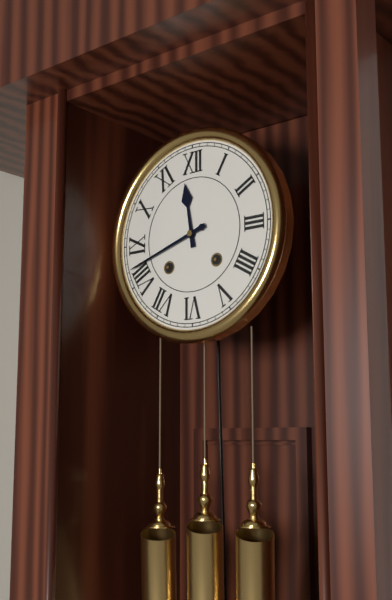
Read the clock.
11:42
